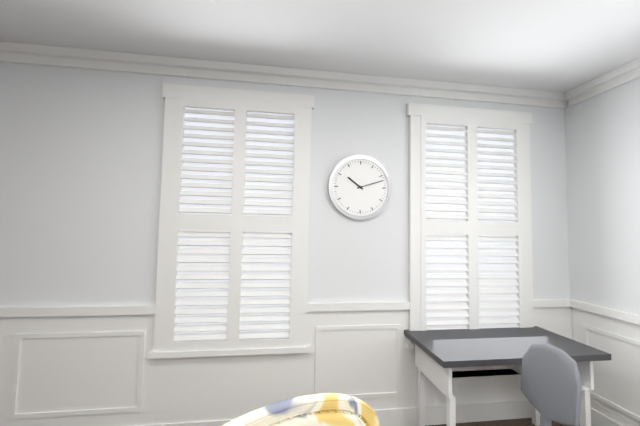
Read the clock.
10:12
